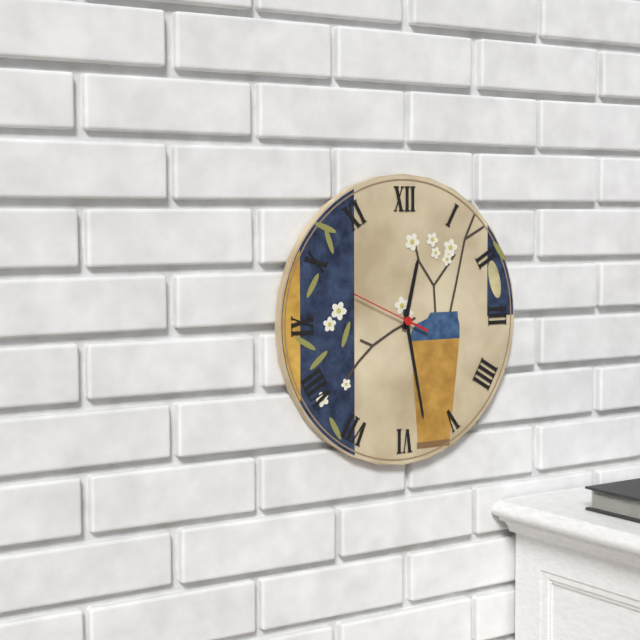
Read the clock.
12:28:49
